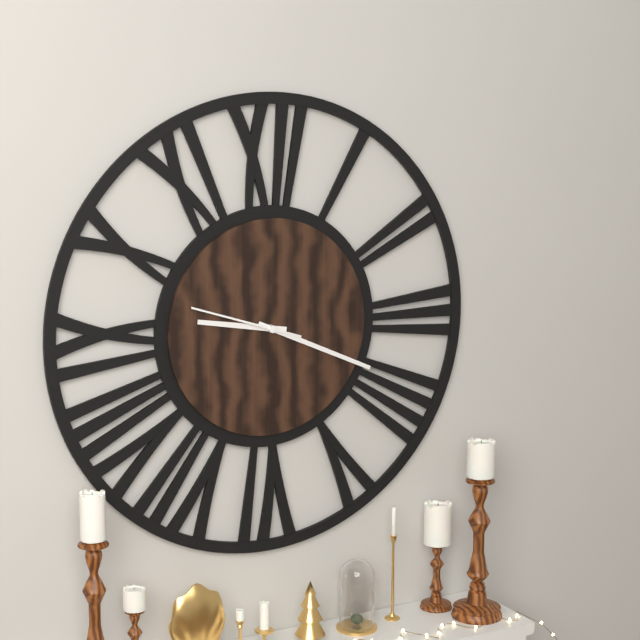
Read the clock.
9:19:48
